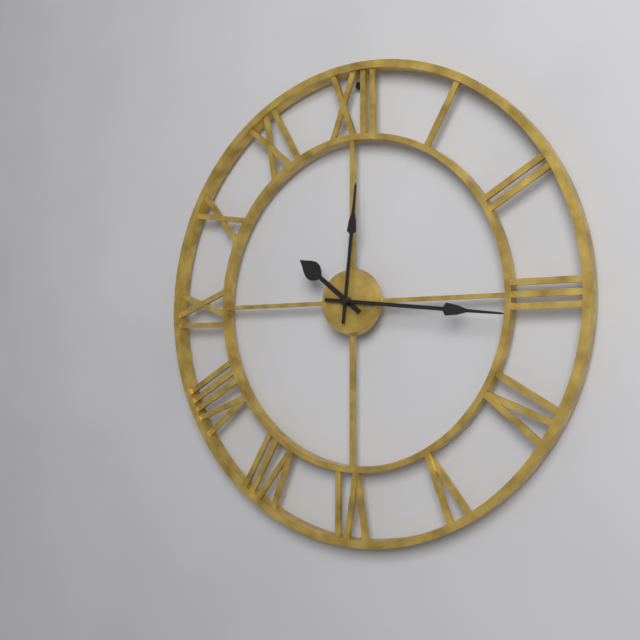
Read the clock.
10:16:01
